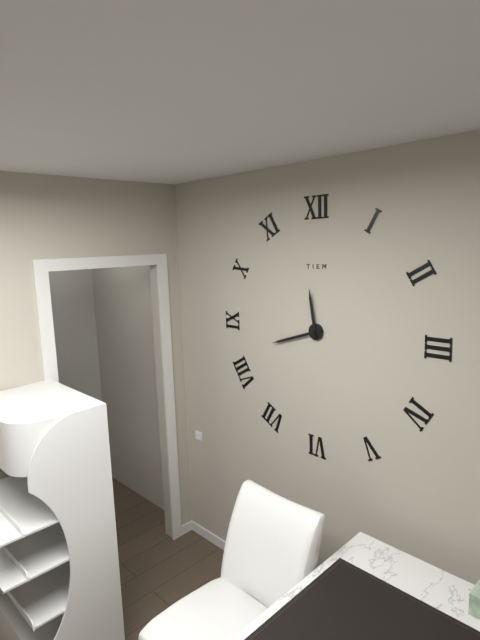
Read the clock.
11:42
